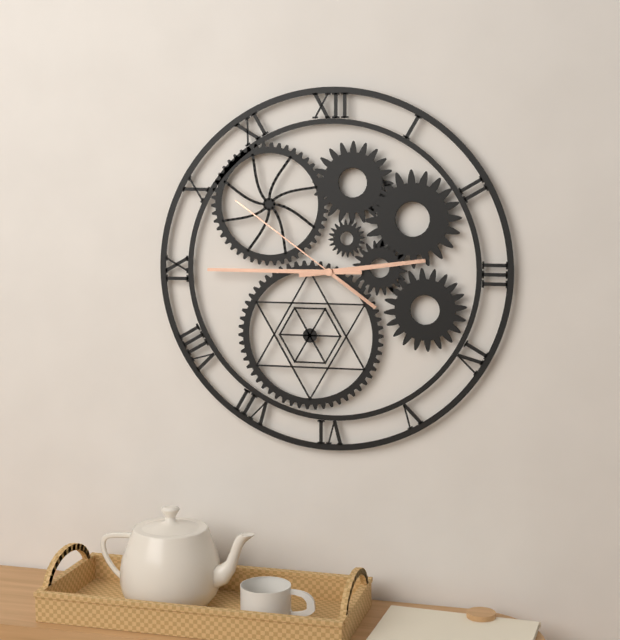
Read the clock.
2:45:51
